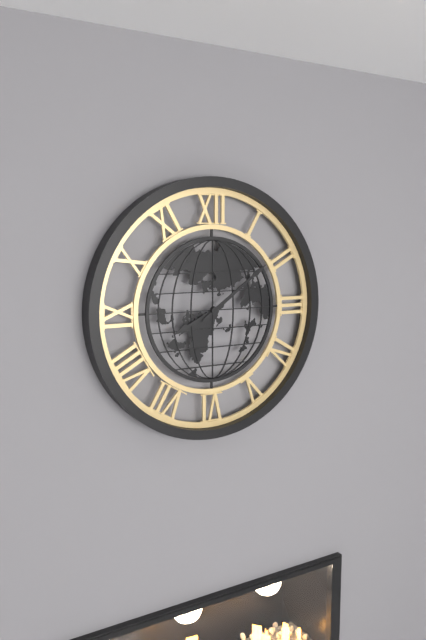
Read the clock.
8:09
